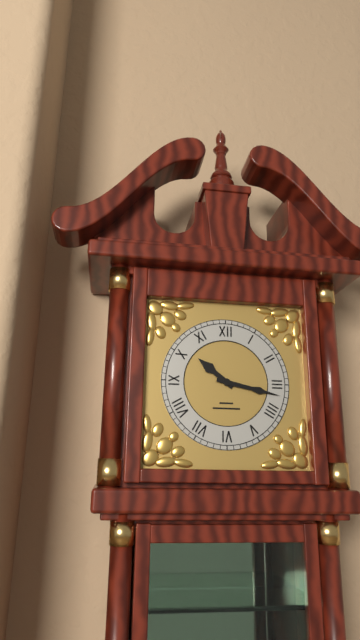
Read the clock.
10:17
